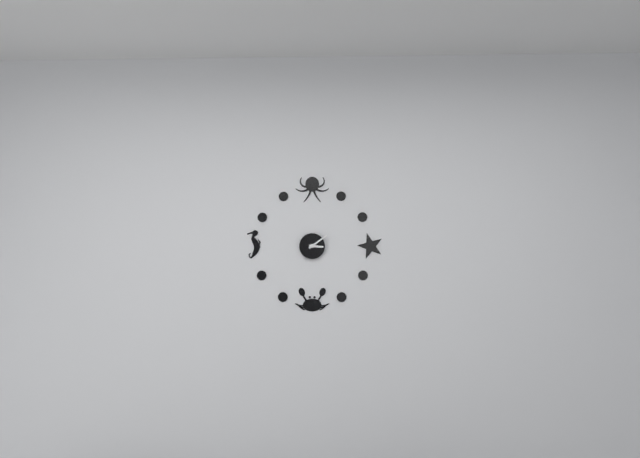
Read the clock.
3:09
